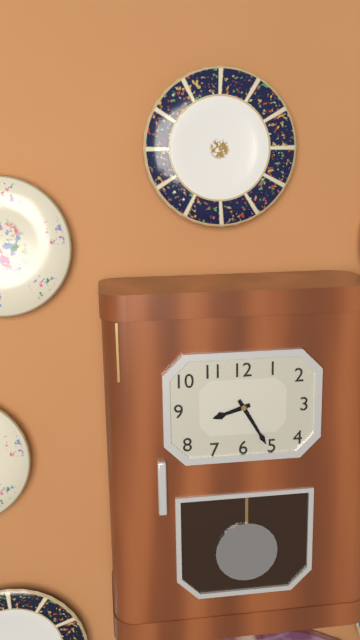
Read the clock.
8:25
